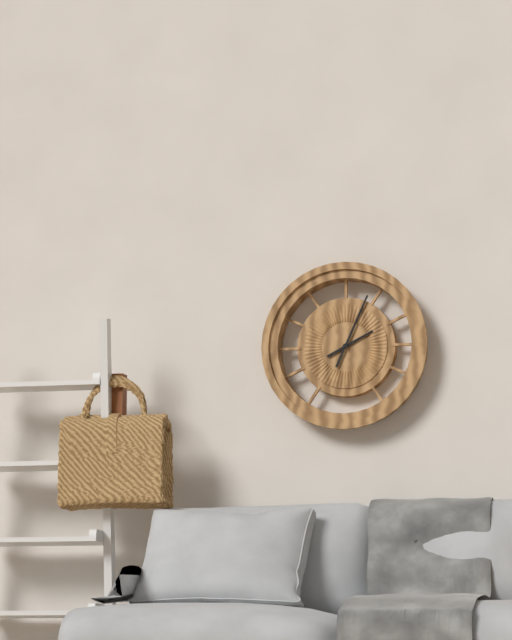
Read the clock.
2:04
